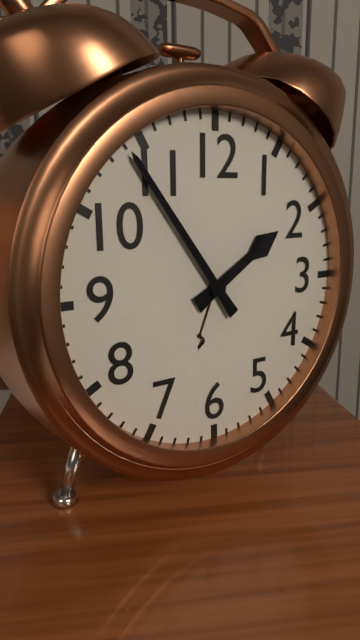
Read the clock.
1:54
